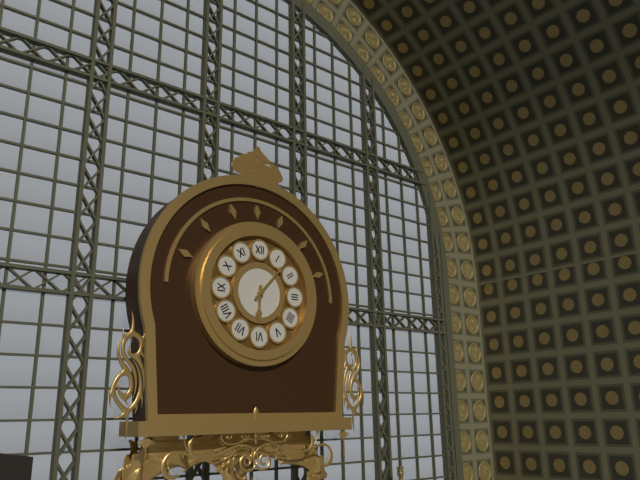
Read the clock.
6:07
